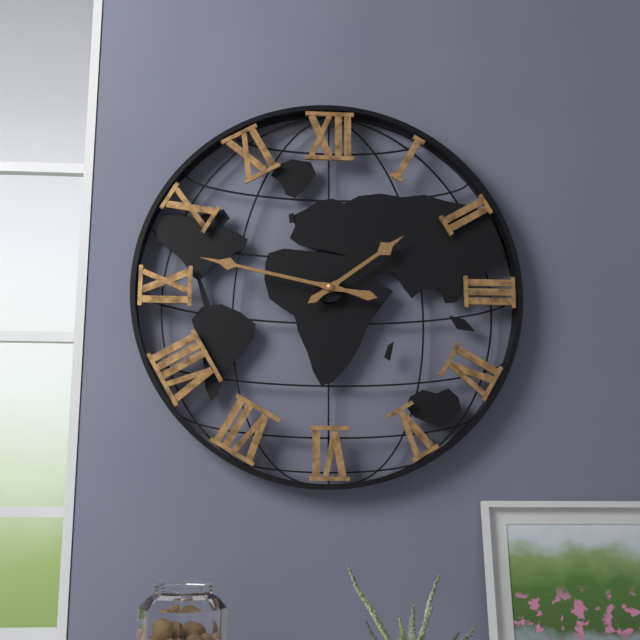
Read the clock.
1:47
